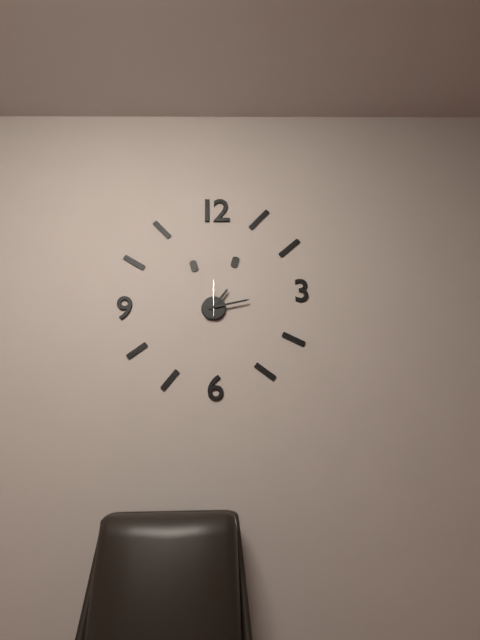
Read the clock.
1:13
